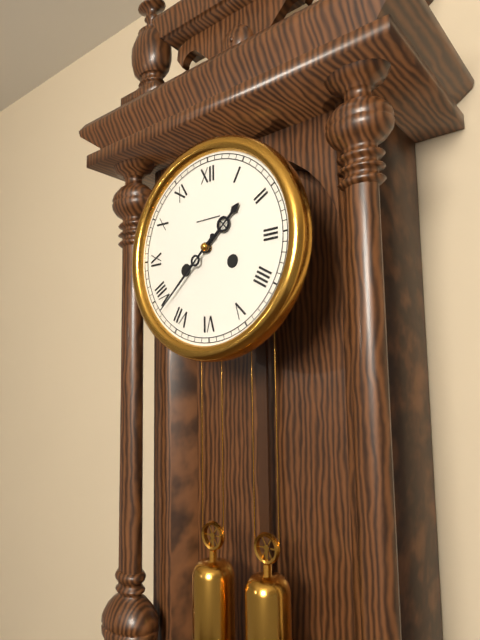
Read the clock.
1:38
